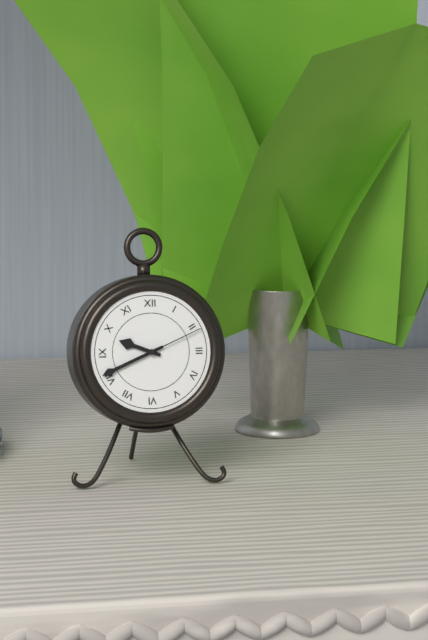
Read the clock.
9:41:11
